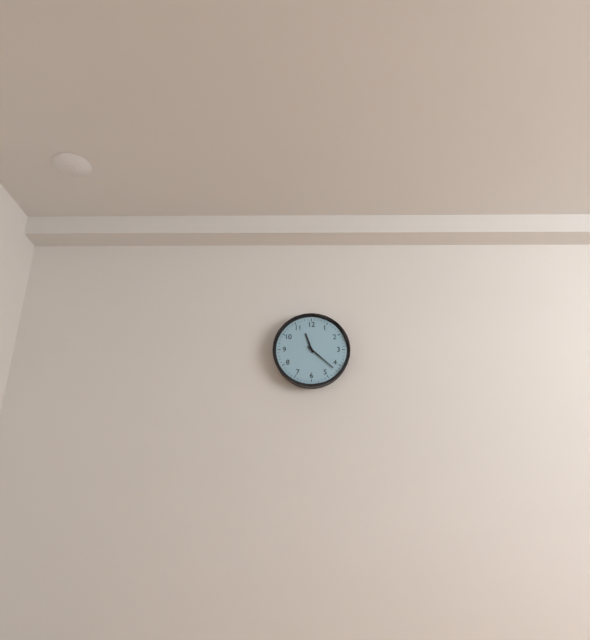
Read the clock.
11:22
